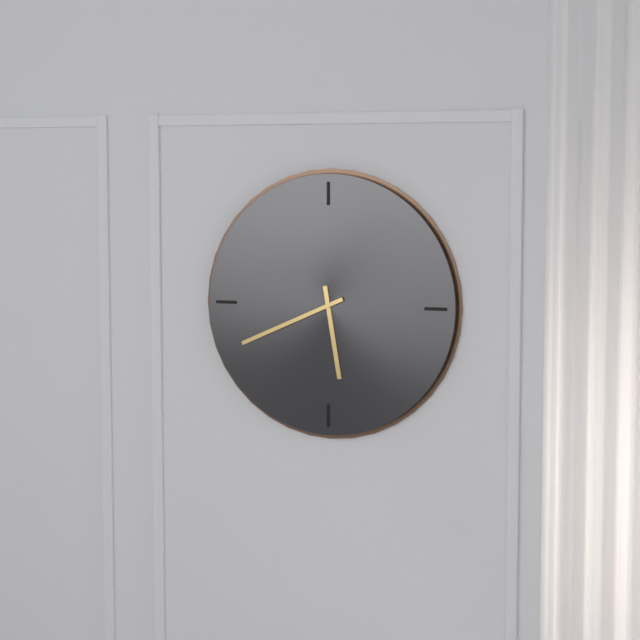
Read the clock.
5:41
